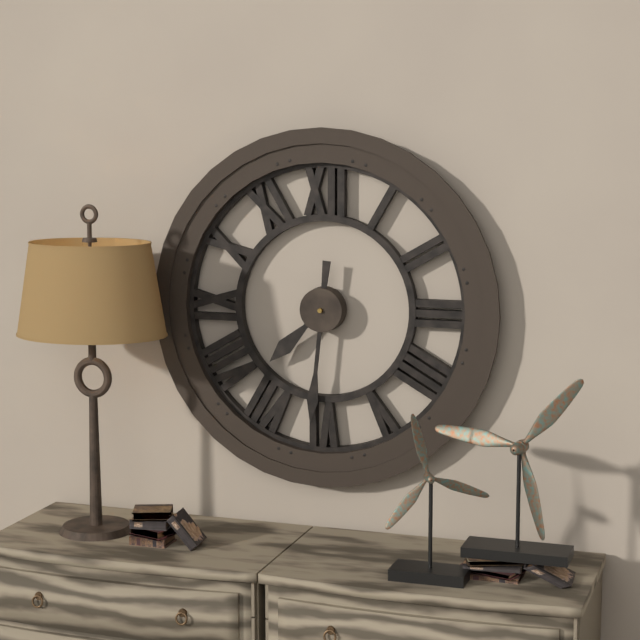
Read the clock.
7:31
